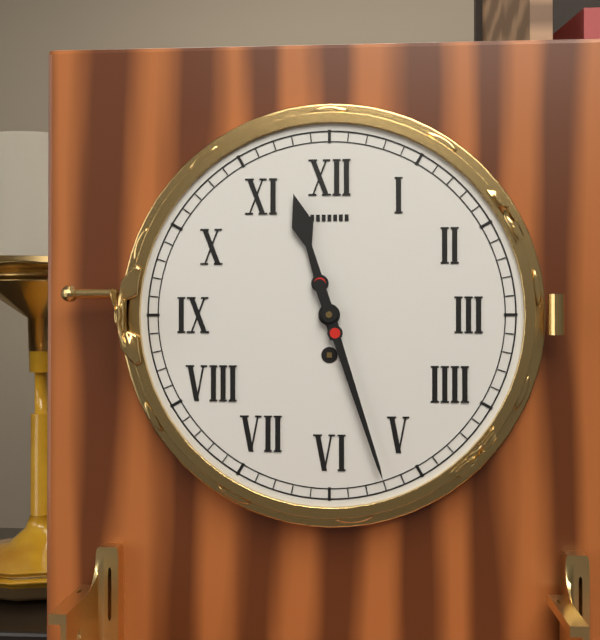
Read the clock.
11:27
